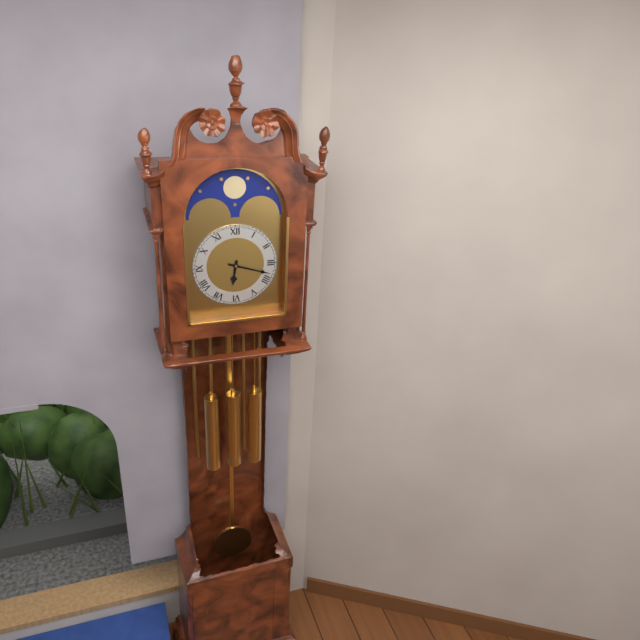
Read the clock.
6:18
